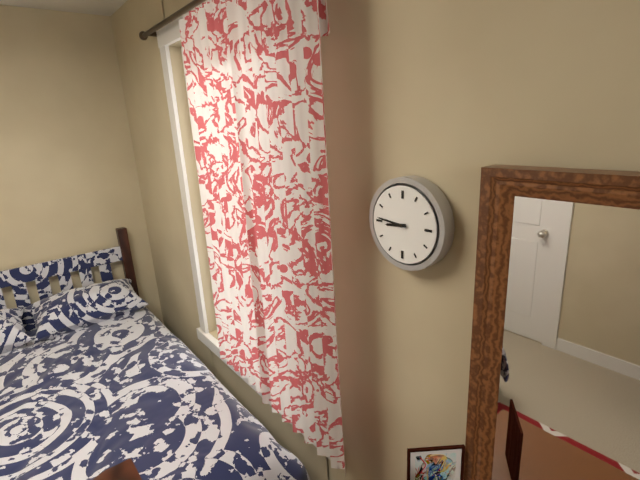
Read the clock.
8:46
